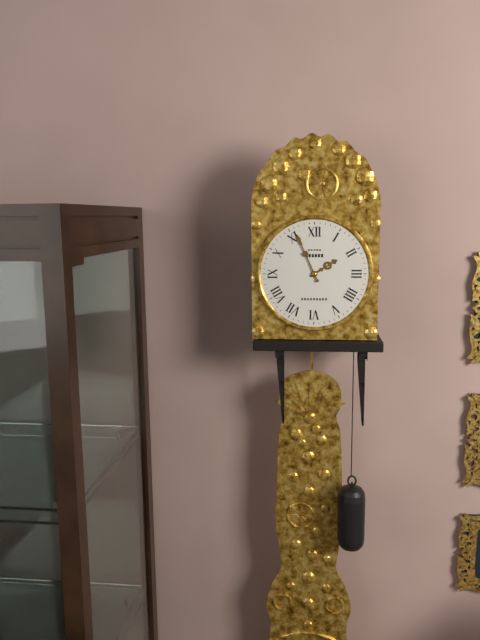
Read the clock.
1:56
